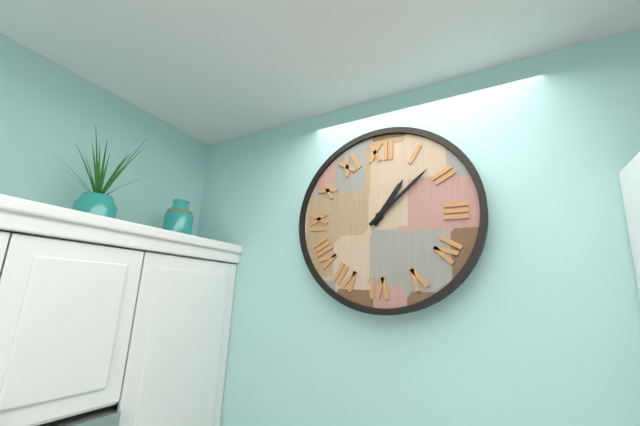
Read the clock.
1:08
